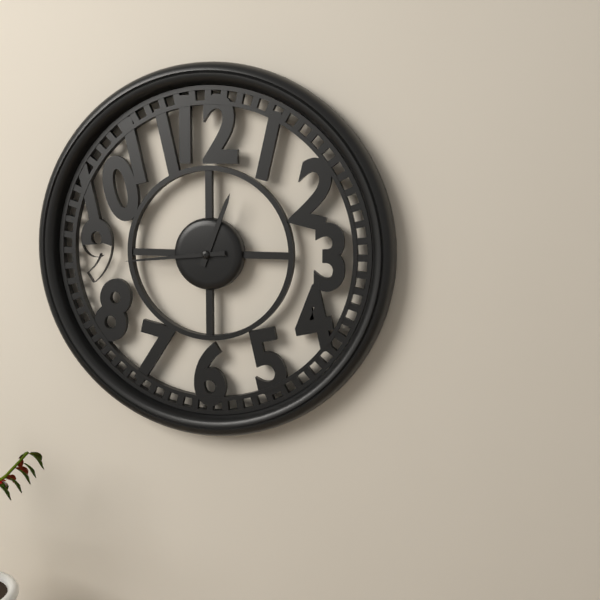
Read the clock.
12:44
